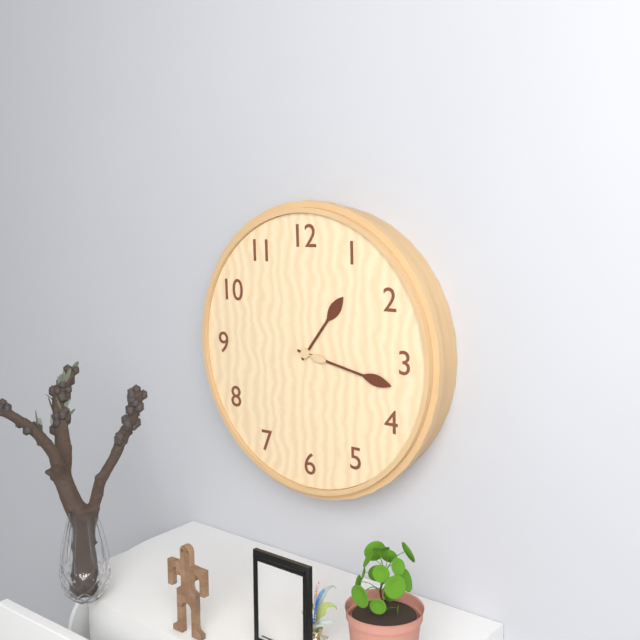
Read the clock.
1:17
